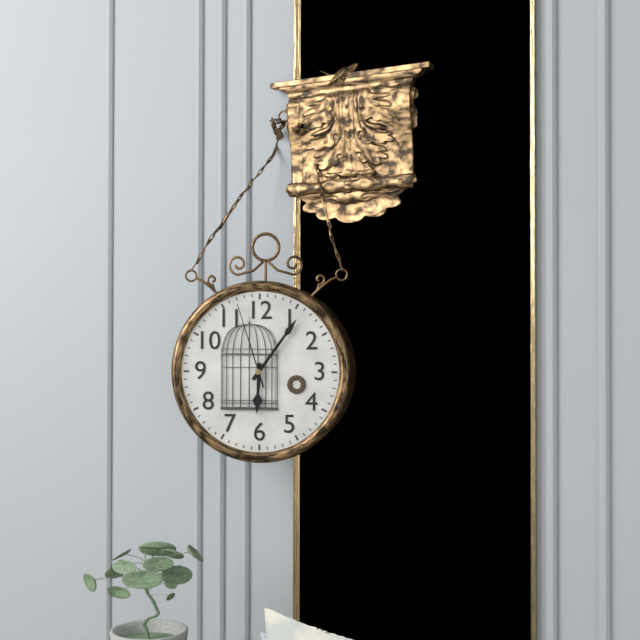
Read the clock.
6:06:57
